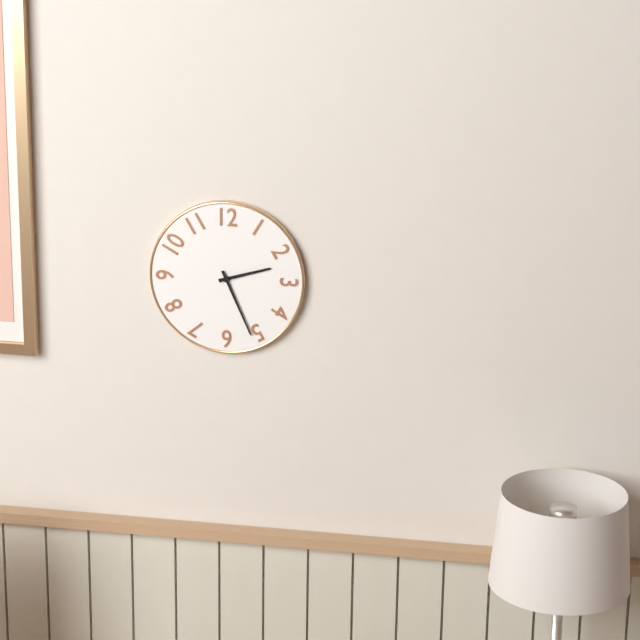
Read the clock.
2:26
